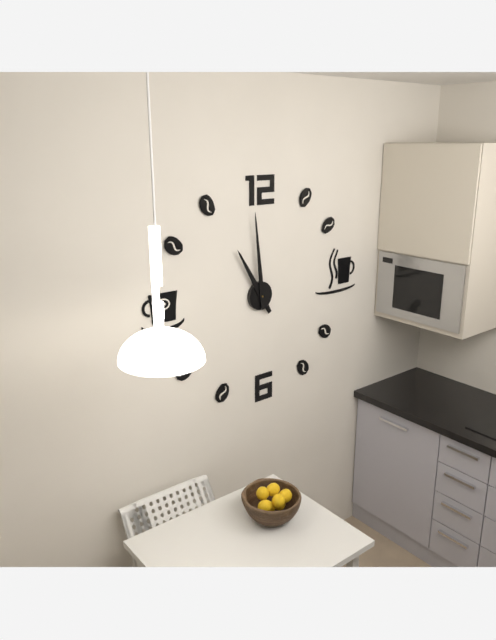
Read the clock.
10:59
